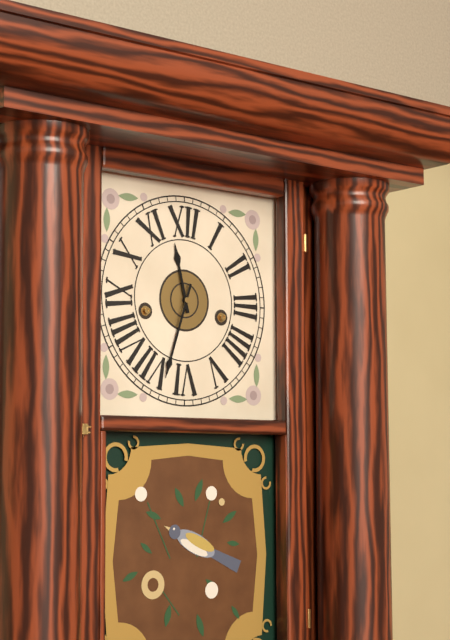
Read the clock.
11:33
